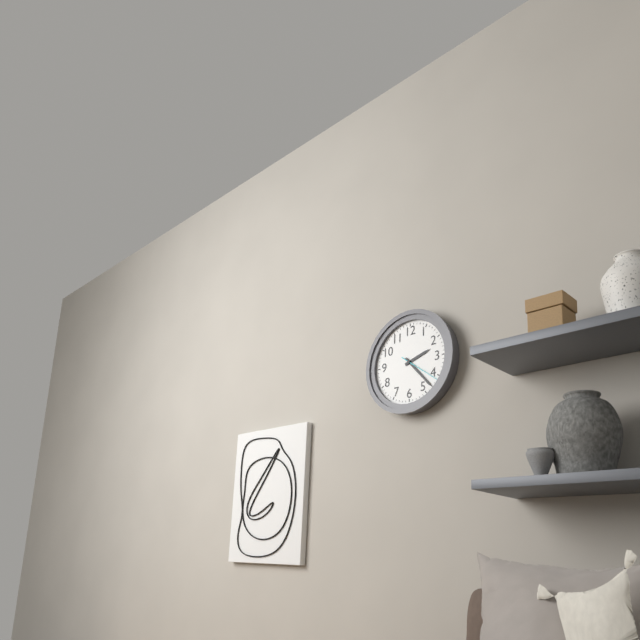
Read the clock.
2:23
